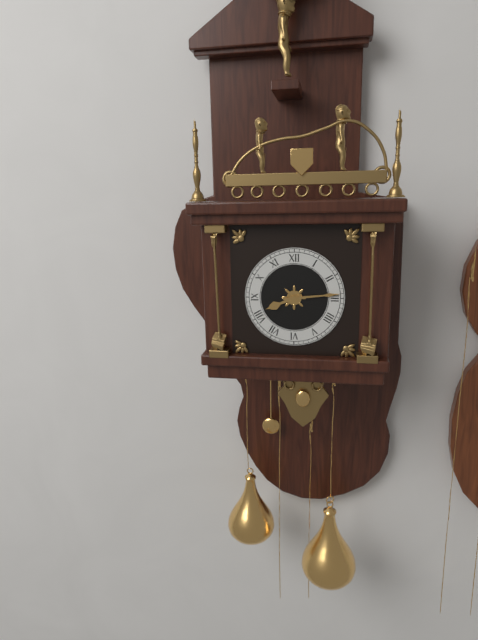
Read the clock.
8:14
